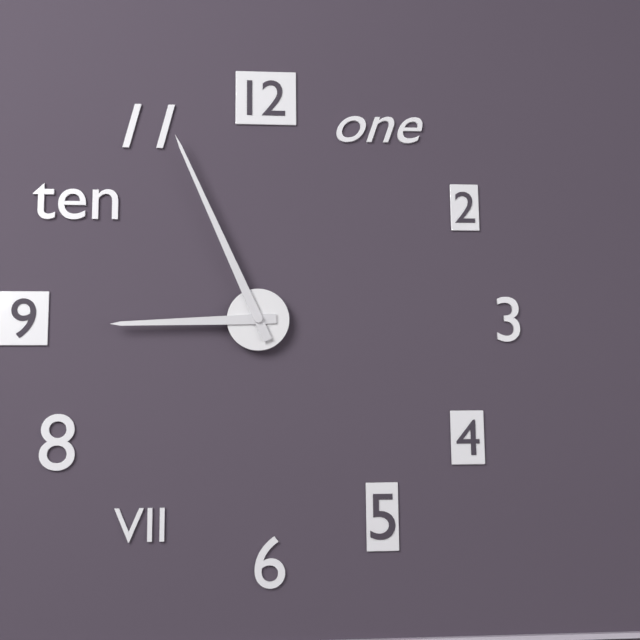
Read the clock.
8:56
